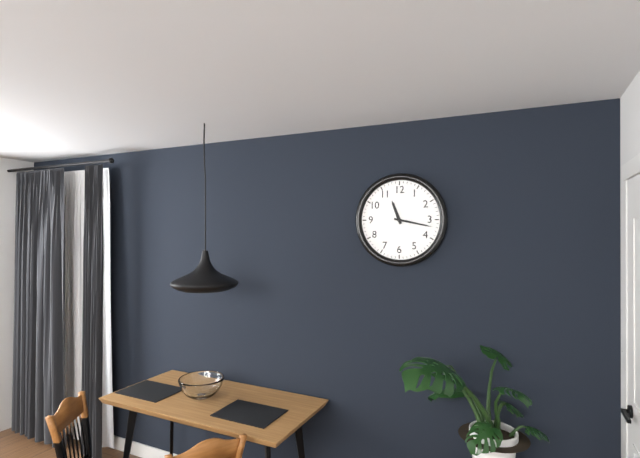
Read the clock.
11:17
